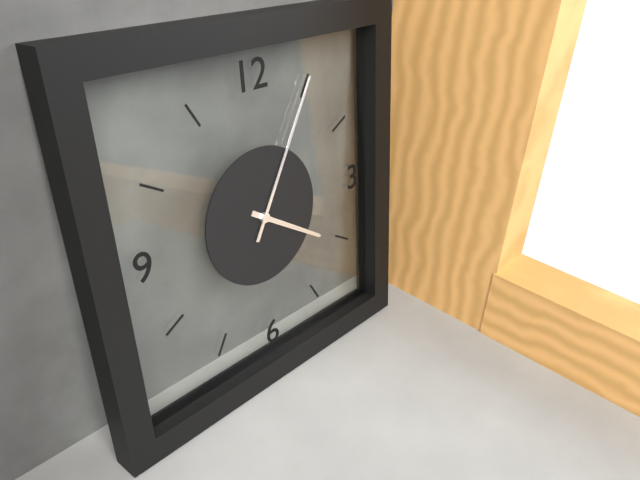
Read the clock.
4:05
